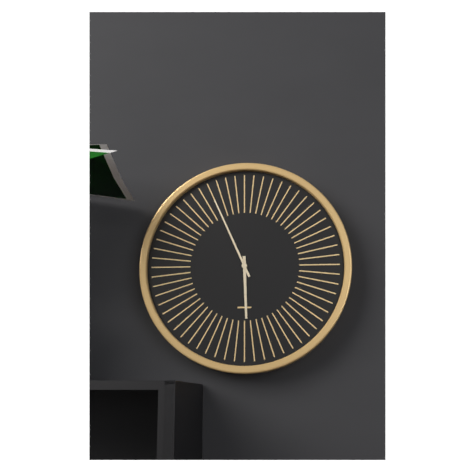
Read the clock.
5:56
